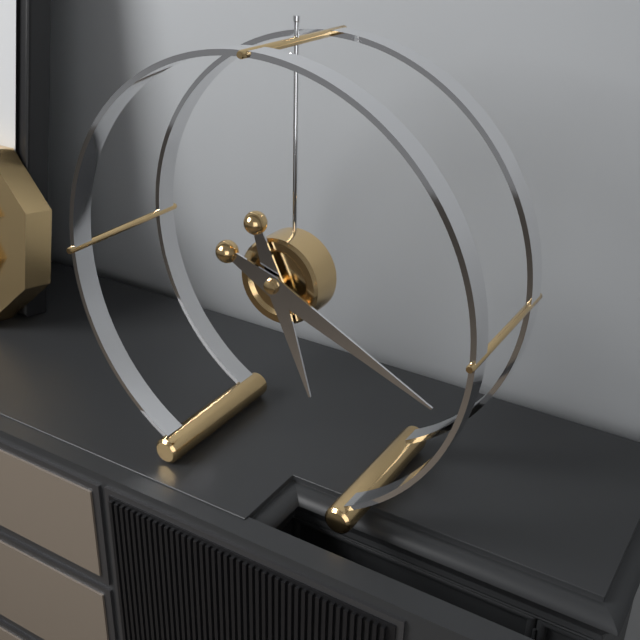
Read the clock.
5:19
